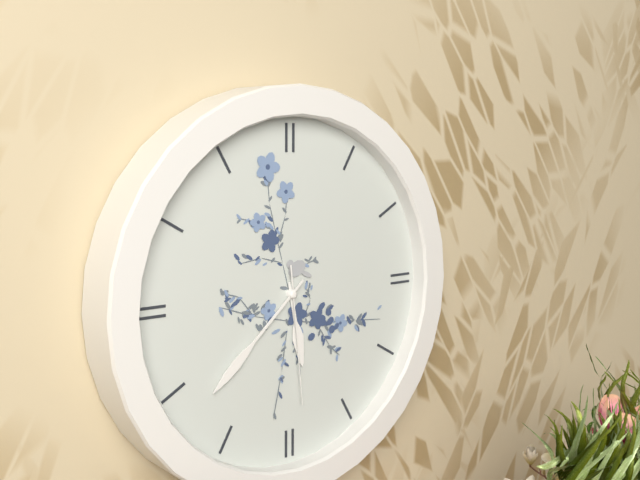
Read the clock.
5:38:29
